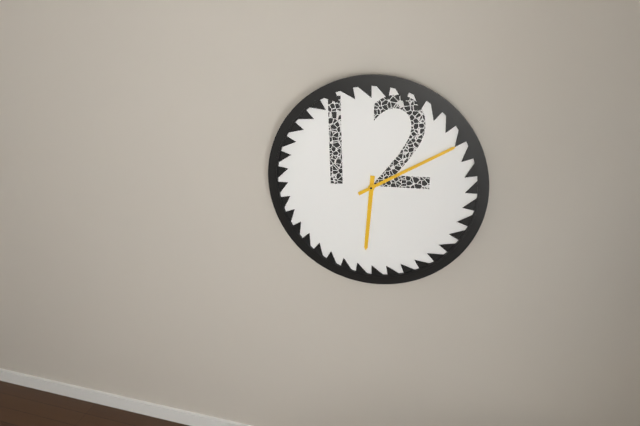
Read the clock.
6:10
